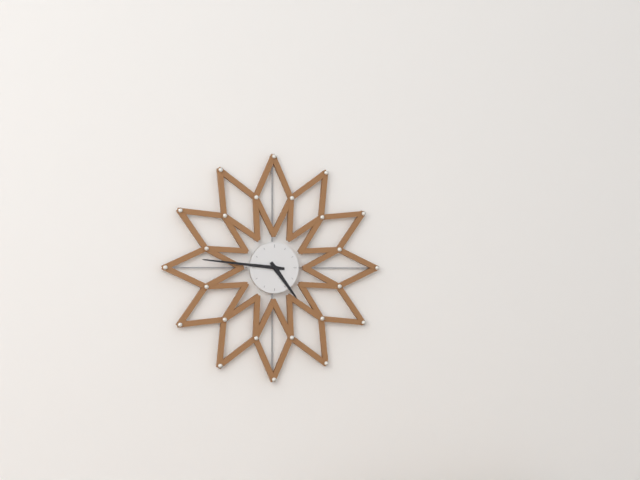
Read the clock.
4:46
